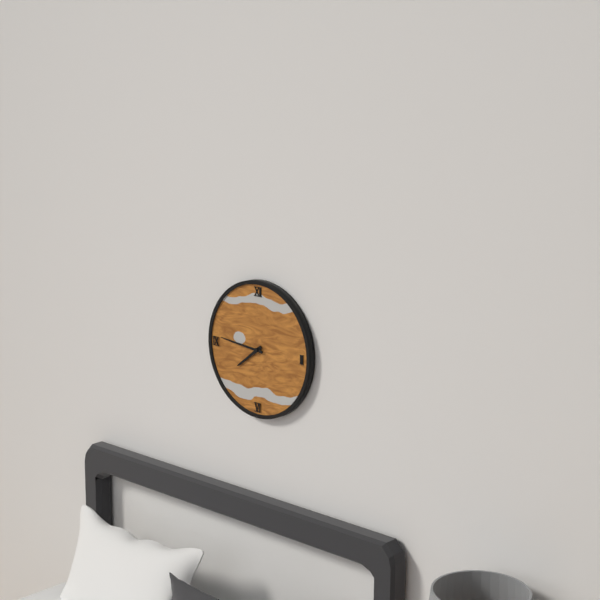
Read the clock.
7:46
